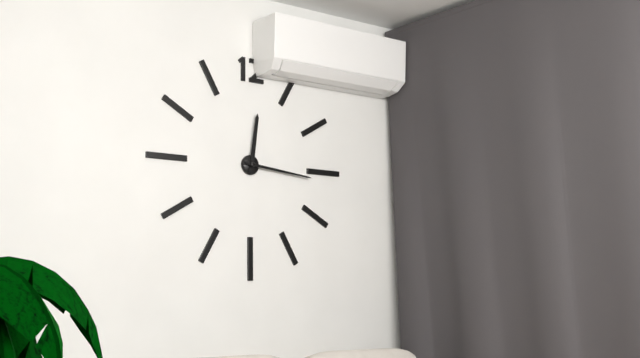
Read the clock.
12:16
